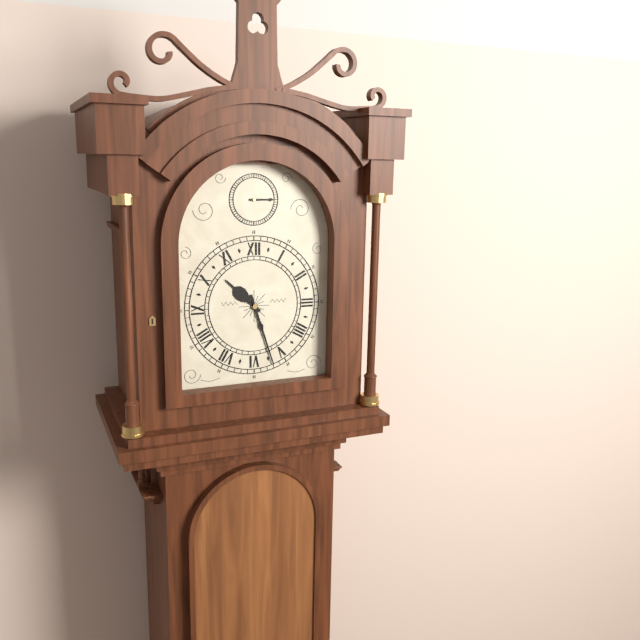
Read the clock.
10:27
